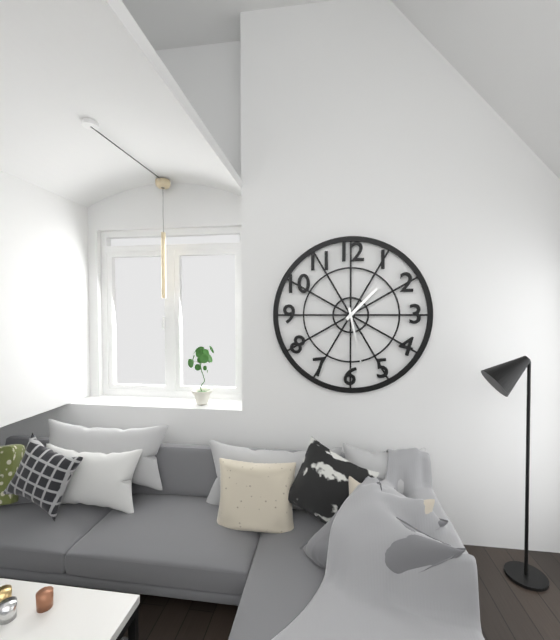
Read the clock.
1:28
